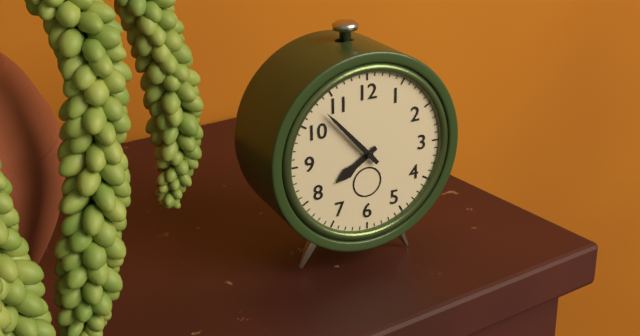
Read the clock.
7:53
